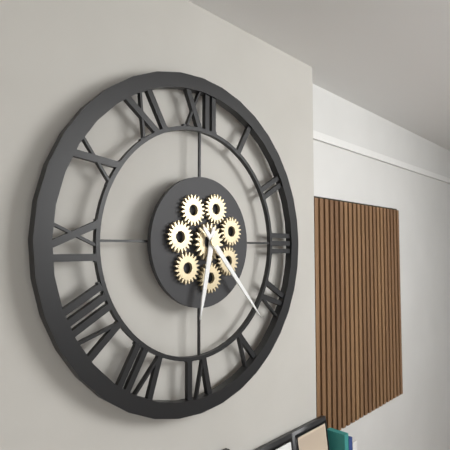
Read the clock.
6:23
